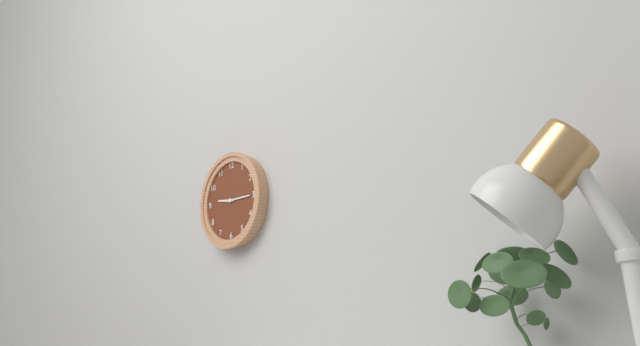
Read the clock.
9:15
